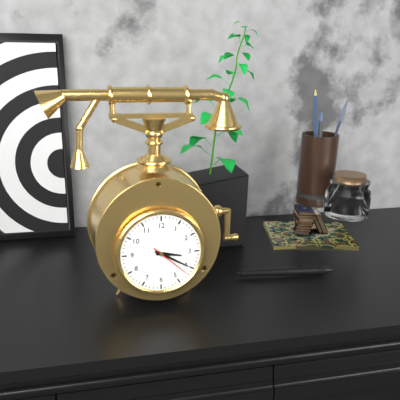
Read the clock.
3:20
